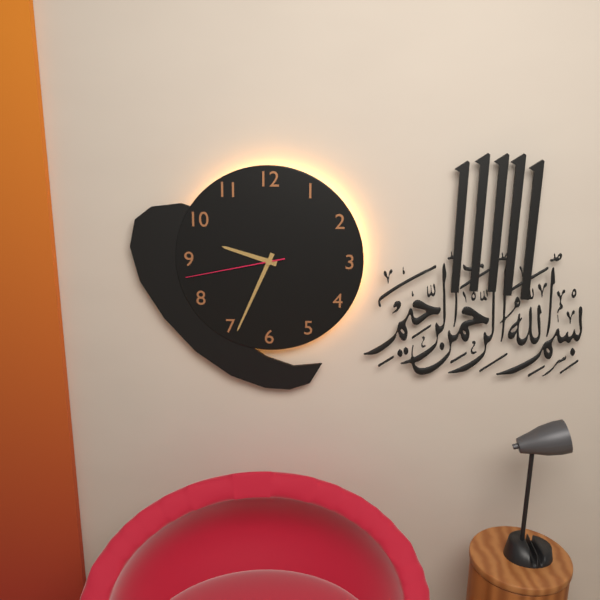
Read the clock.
9:34:43
